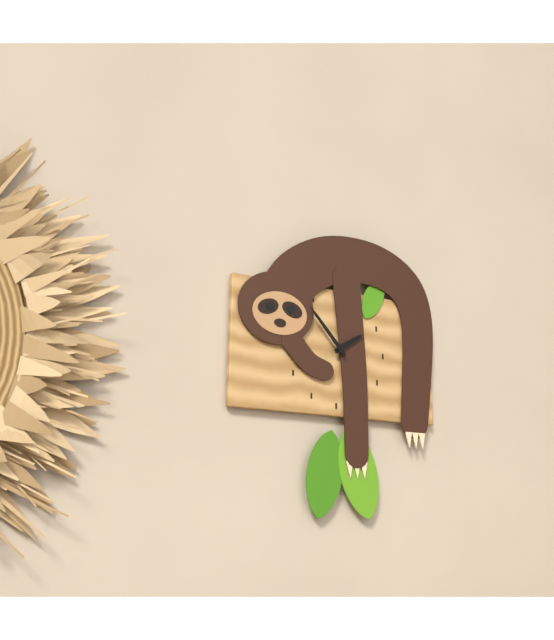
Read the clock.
1:53
